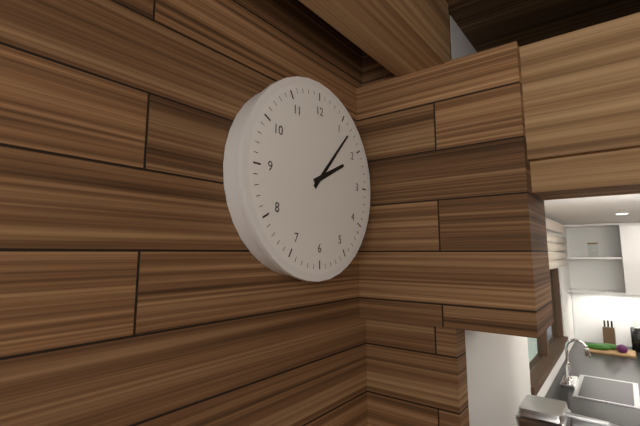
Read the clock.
2:07
